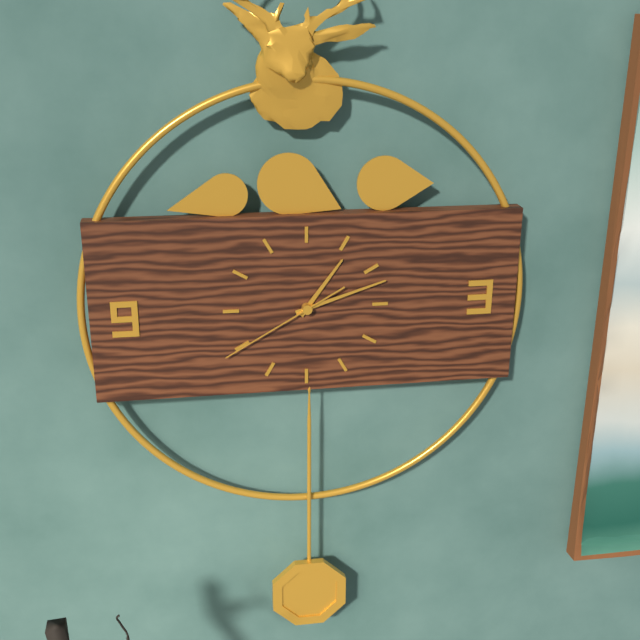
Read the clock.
1:12:40
